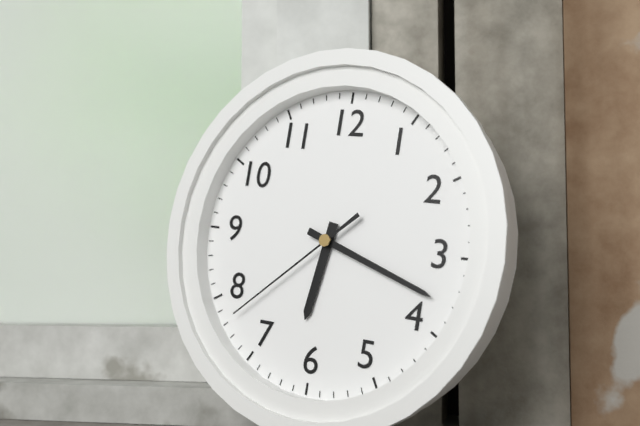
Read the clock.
6:18:38
